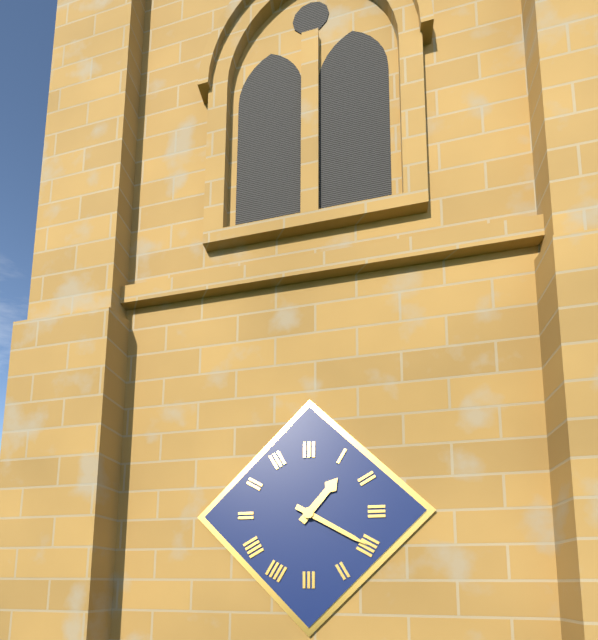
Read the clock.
1:20
